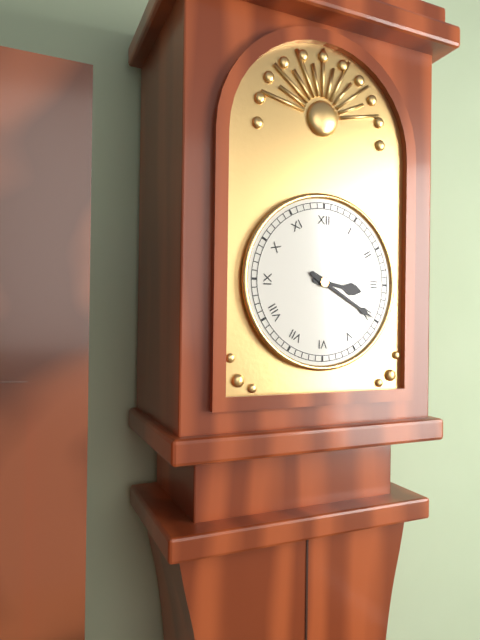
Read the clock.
3:20
